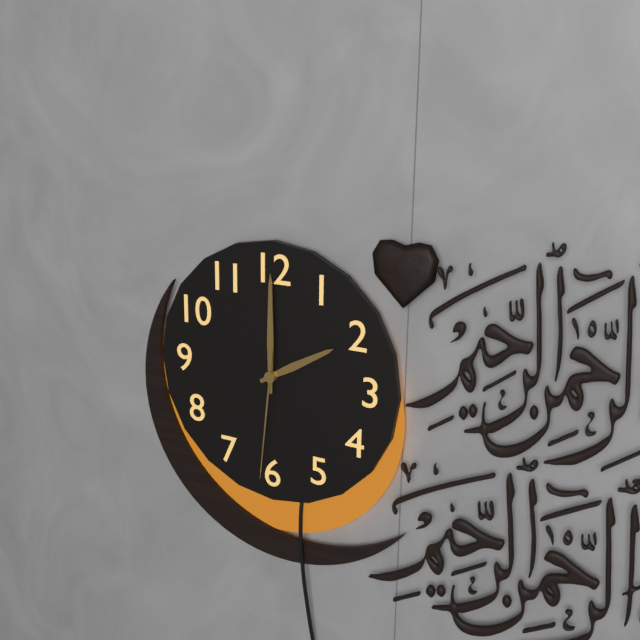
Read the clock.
2:00:31
